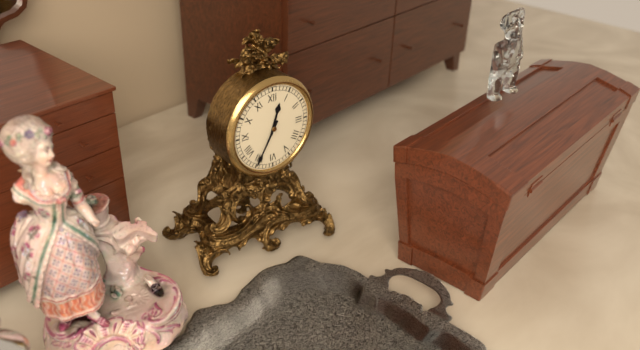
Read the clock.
12:35
